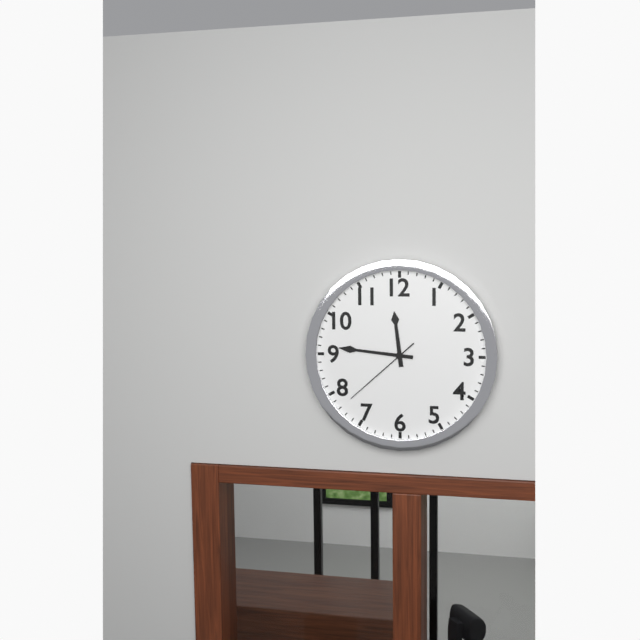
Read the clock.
11:46:38
